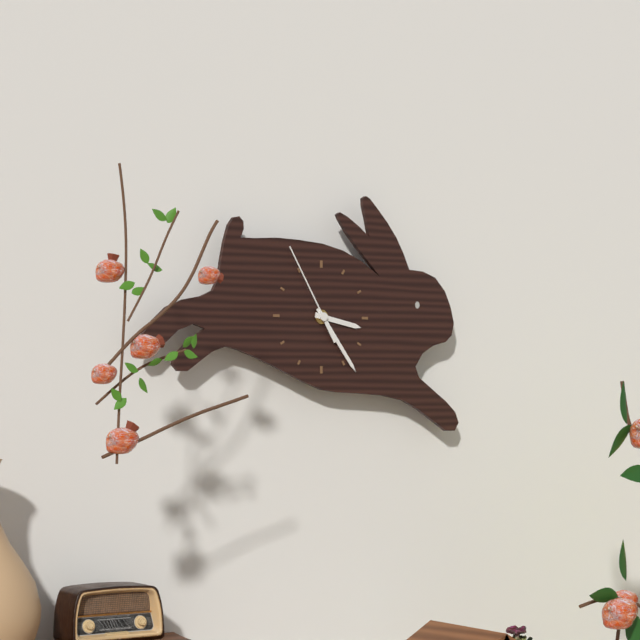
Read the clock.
3:24:55
